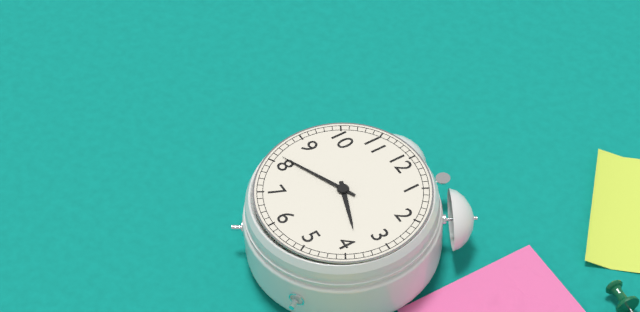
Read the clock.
3:41
